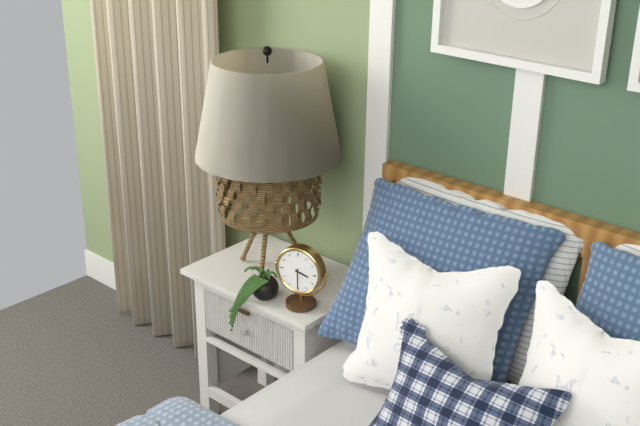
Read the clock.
3:30
